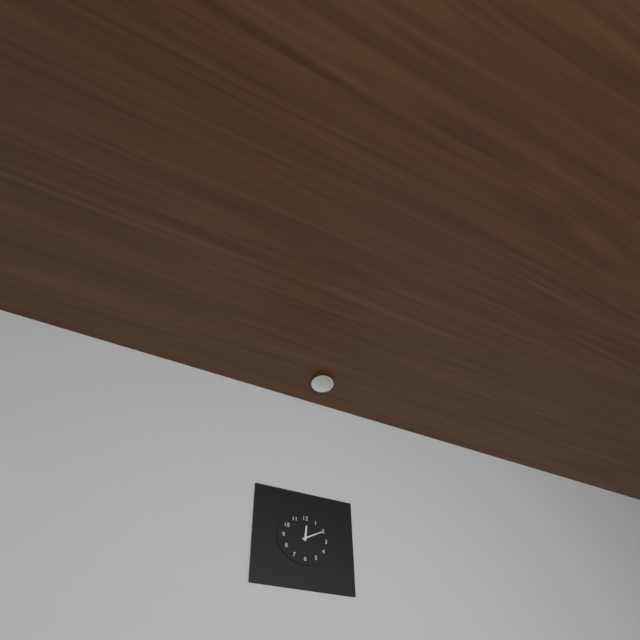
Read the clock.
12:10
